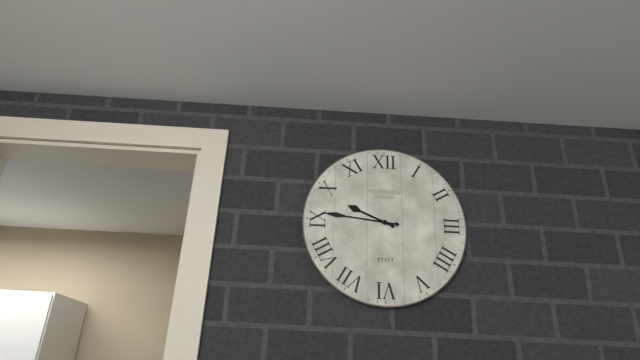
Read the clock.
9:46
